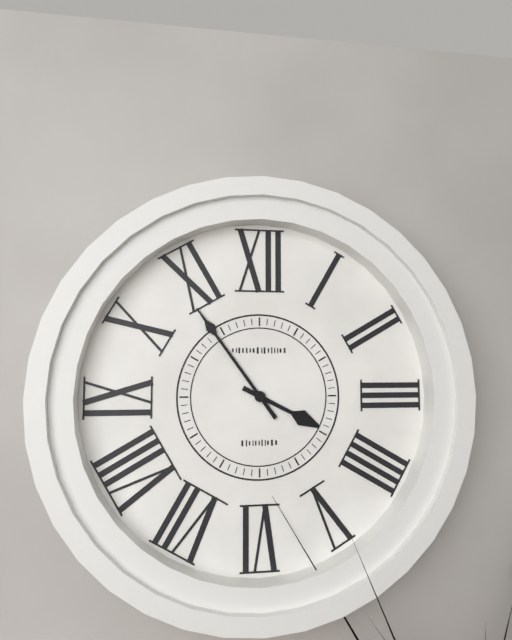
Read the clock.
3:54
